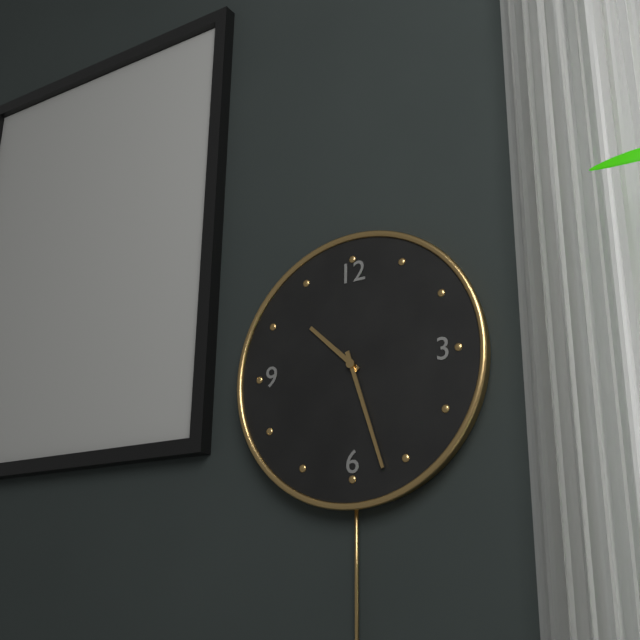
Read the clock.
10:27
